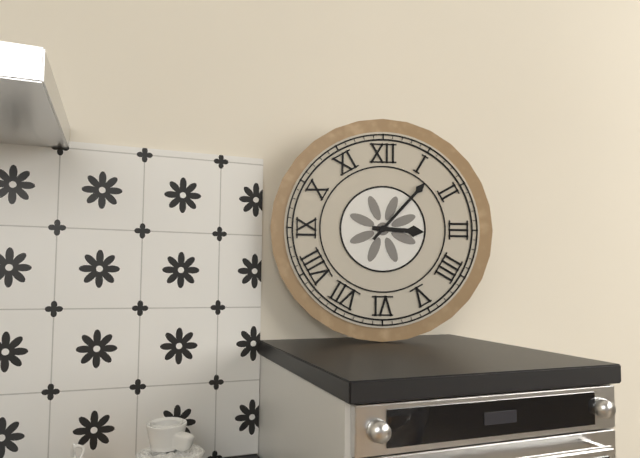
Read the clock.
3:07
